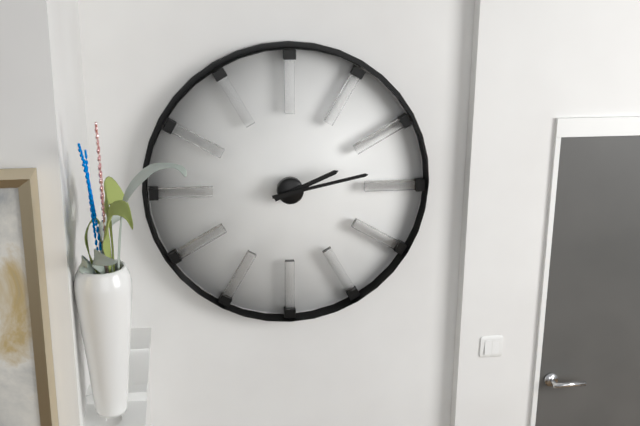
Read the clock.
2:13
